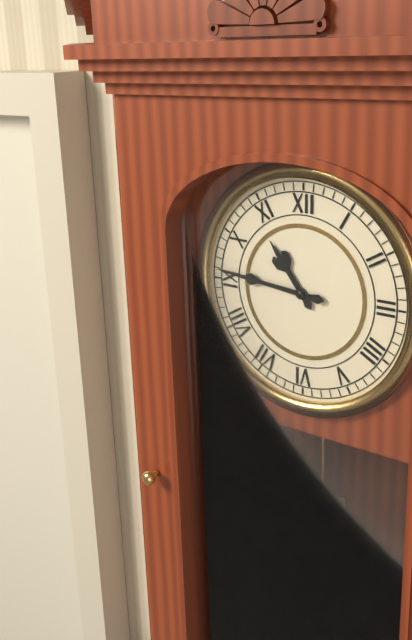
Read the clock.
10:46
